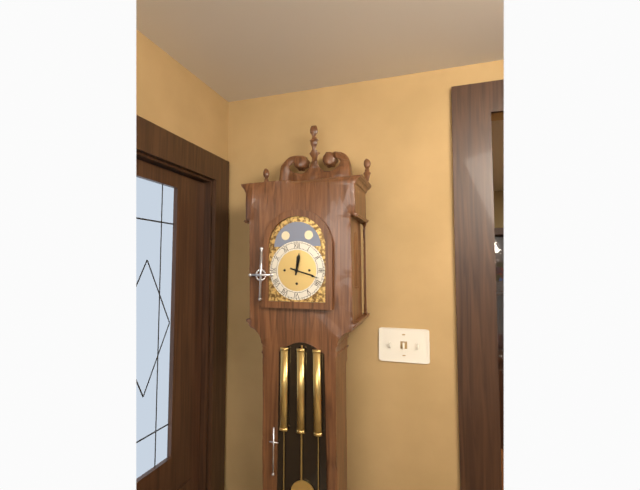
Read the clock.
12:18
